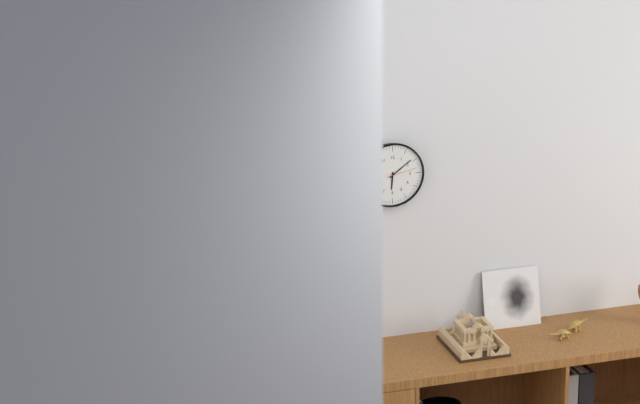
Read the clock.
6:09
